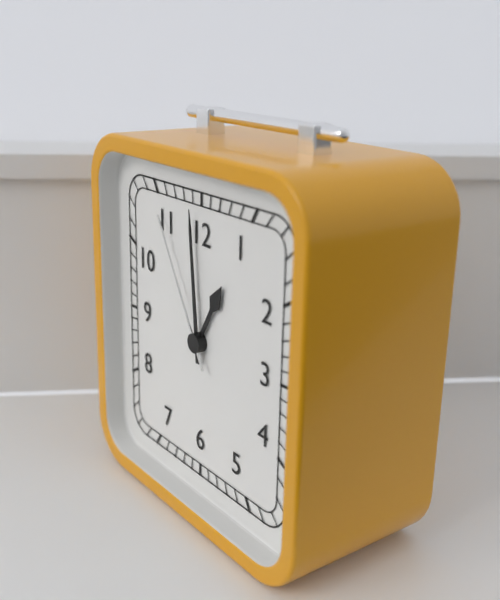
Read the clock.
12:59:55
